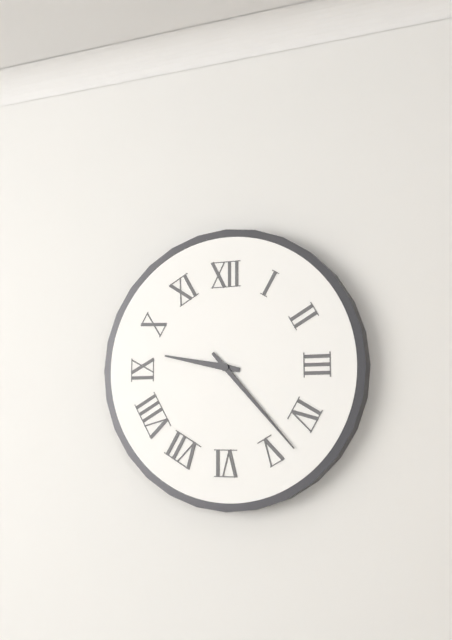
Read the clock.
9:23
